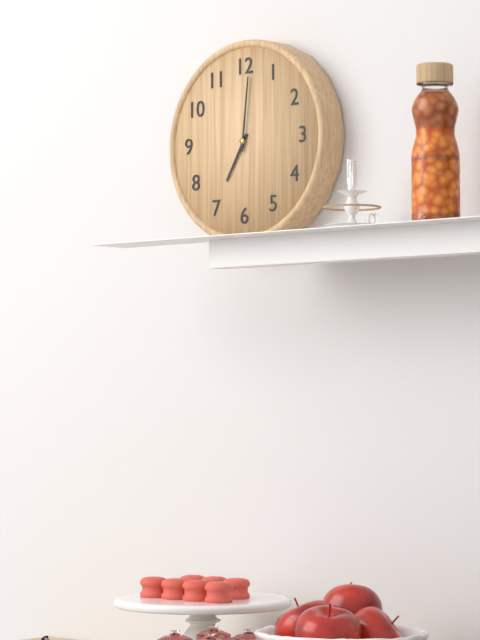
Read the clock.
7:01
